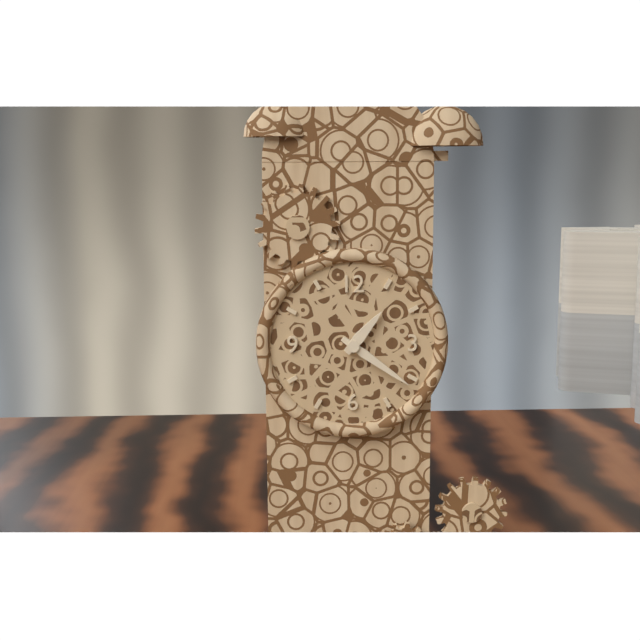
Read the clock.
1:21
